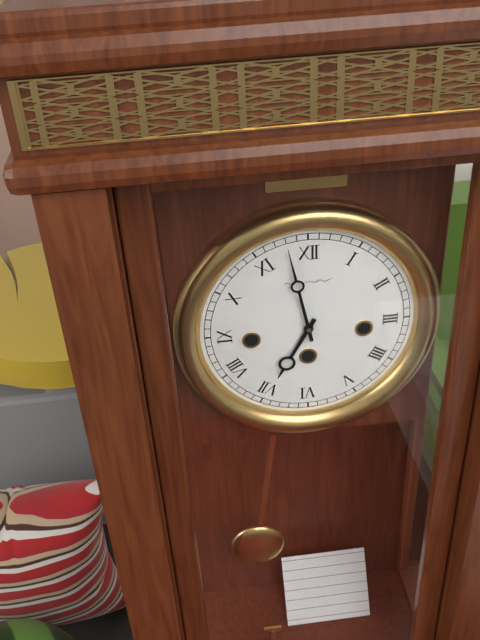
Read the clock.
6:58
